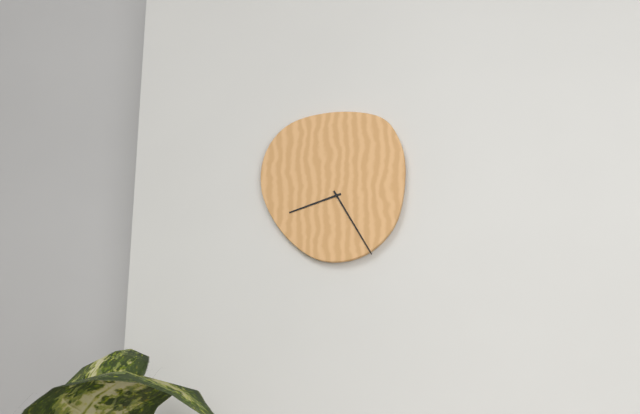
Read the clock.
8:25
